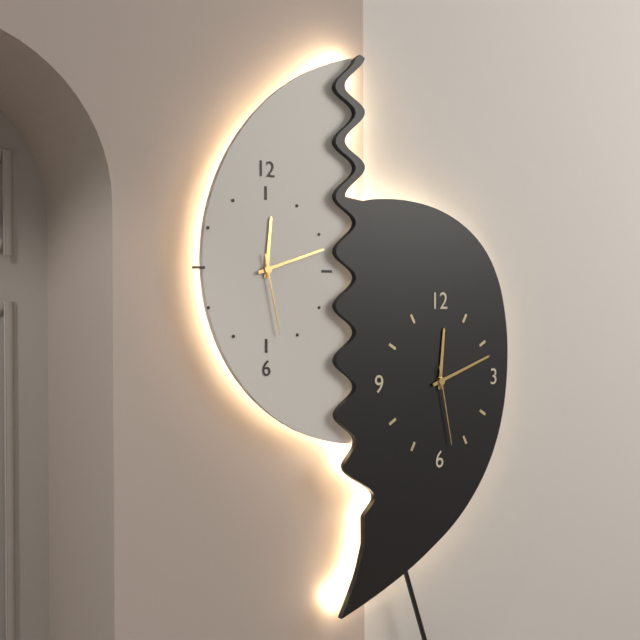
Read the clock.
12:12:28
